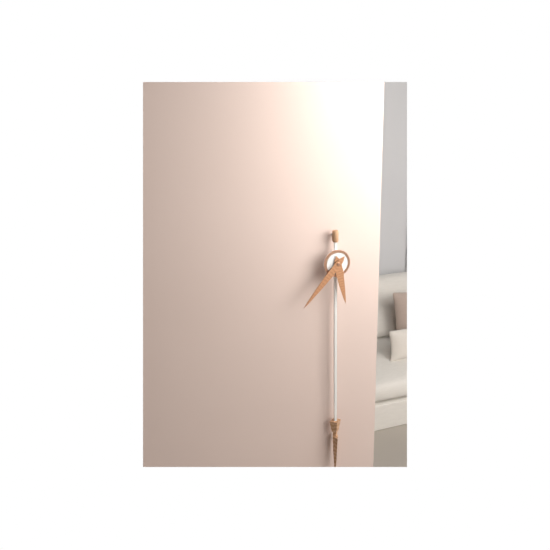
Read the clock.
5:37
